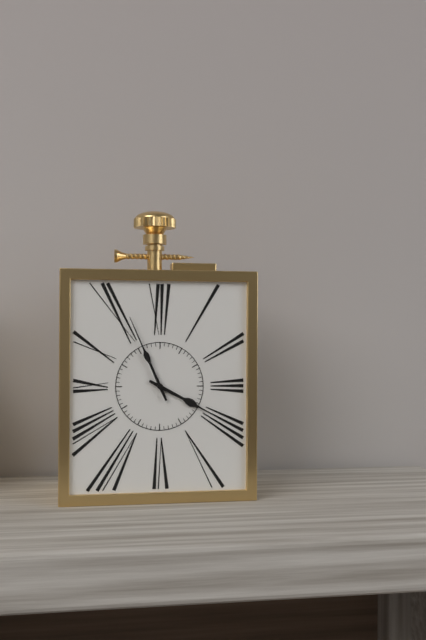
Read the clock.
3:56
